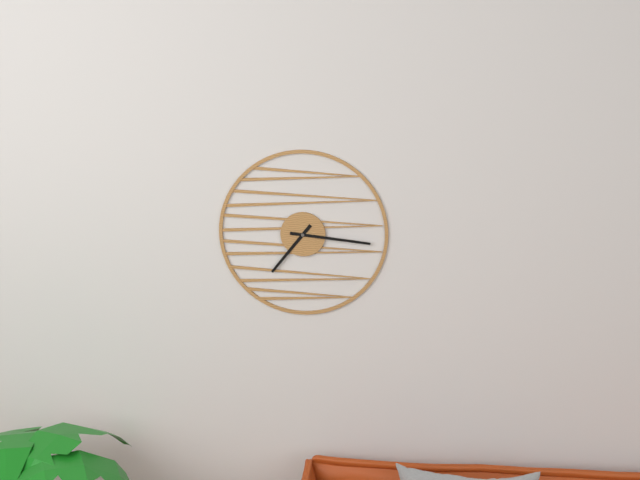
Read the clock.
7:16
